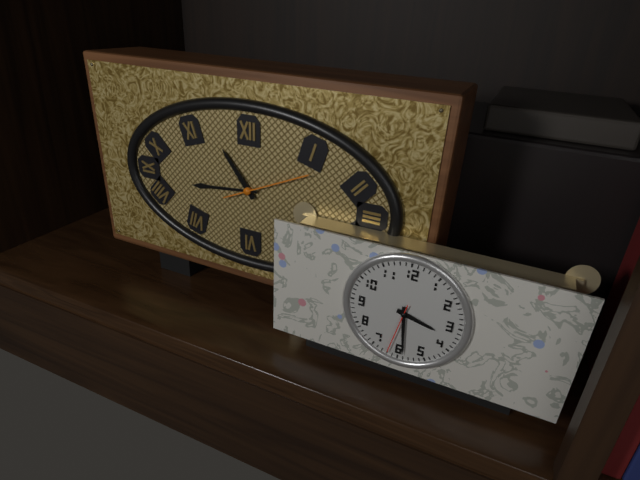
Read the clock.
10:44:11
